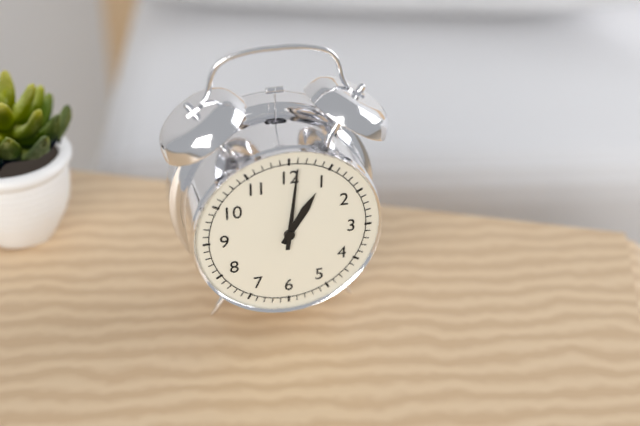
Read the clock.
1:01
